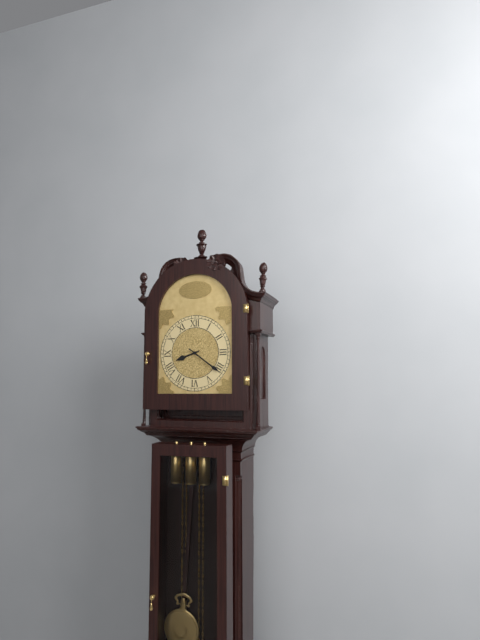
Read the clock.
8:21
